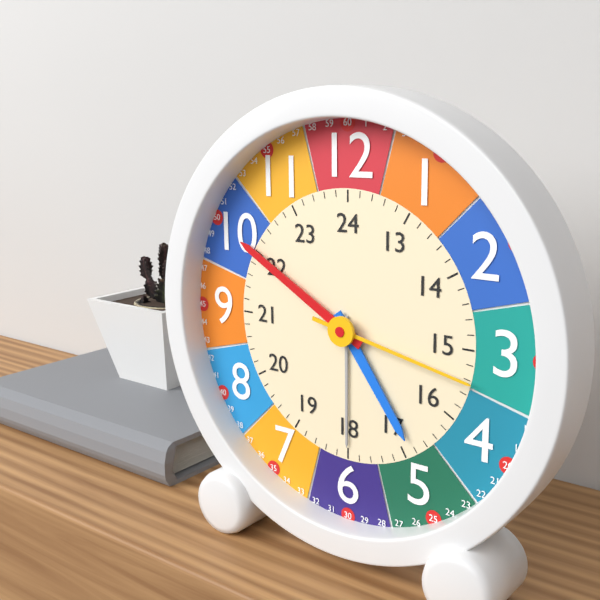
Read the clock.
4:50:17
